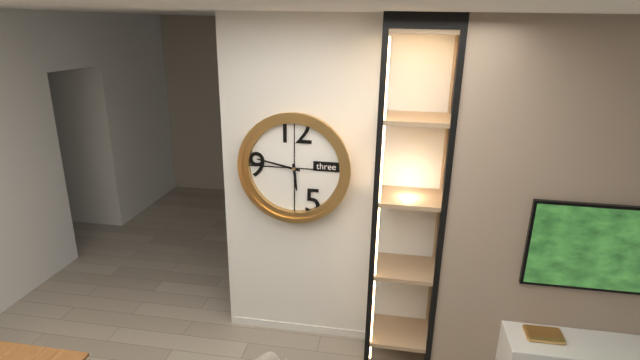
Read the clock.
5:47
